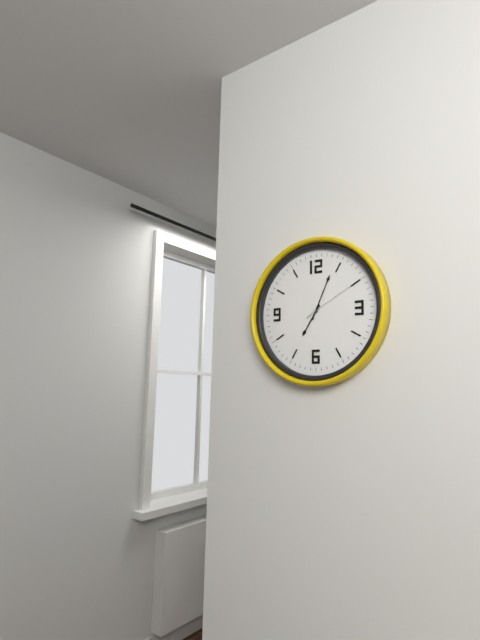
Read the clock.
7:04:10
